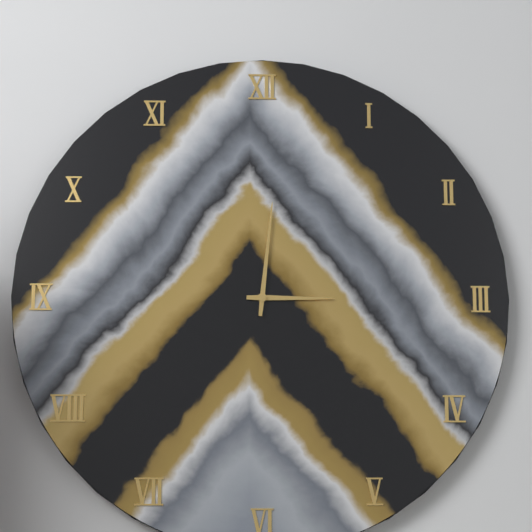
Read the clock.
3:01
